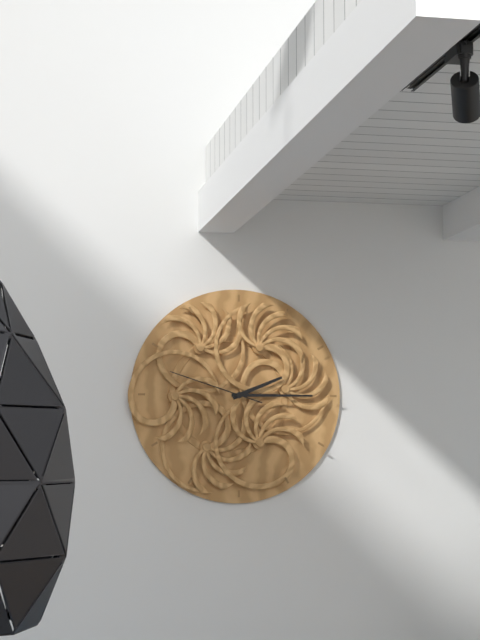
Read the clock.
2:15:48
